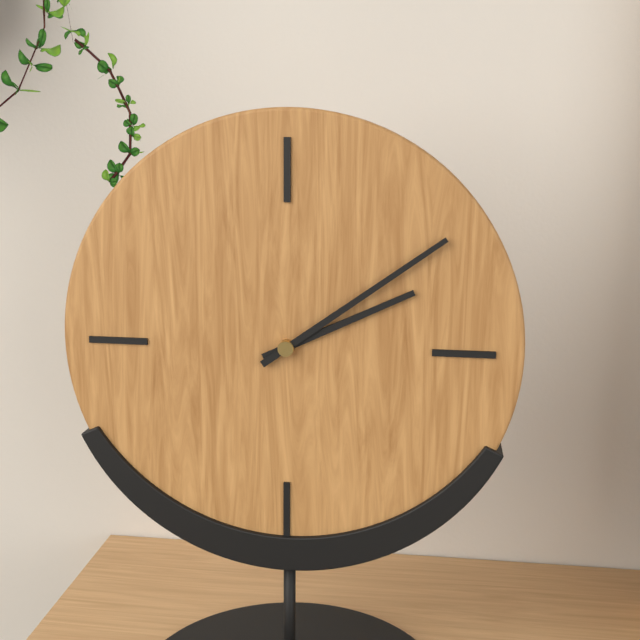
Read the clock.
2:09
